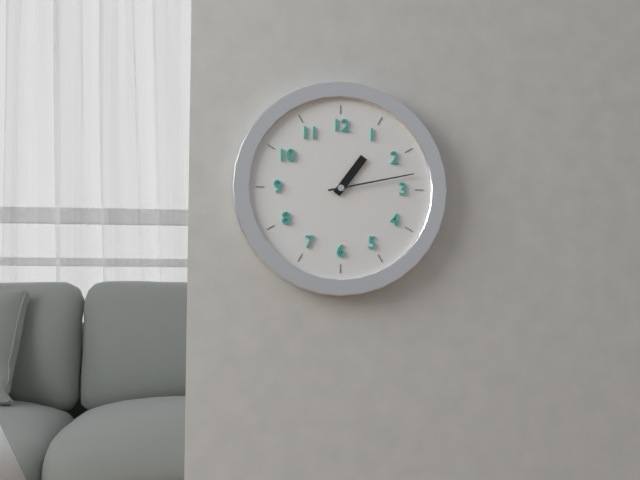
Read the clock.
1:13
